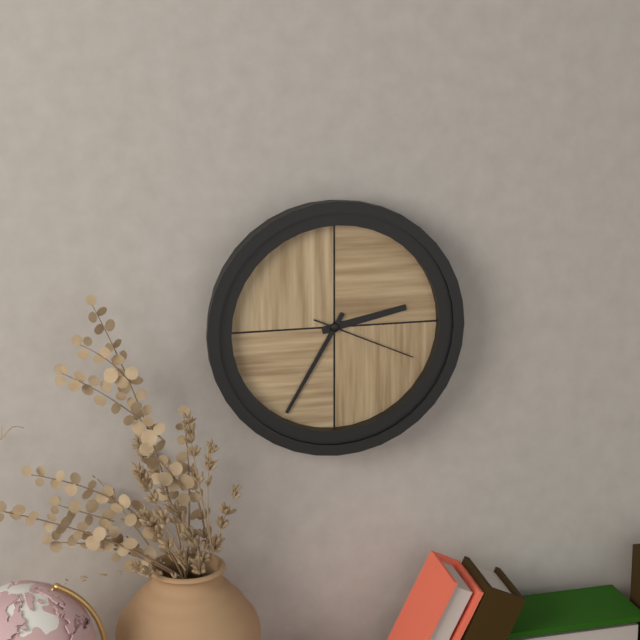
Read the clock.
2:35:19
